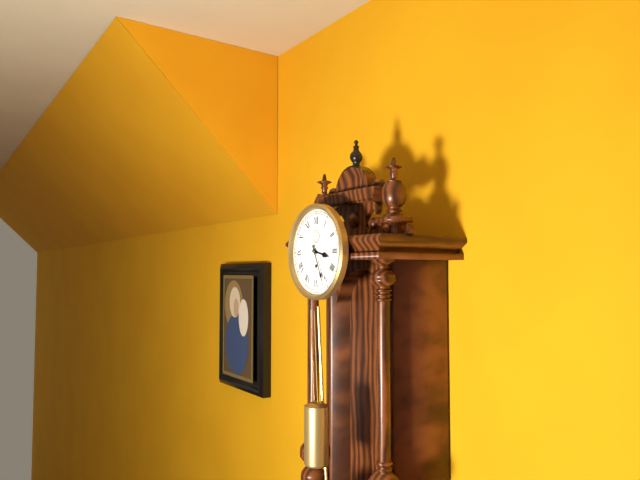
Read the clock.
3:26
